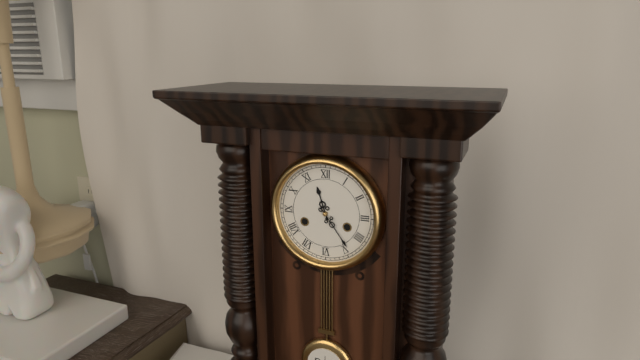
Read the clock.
11:24
